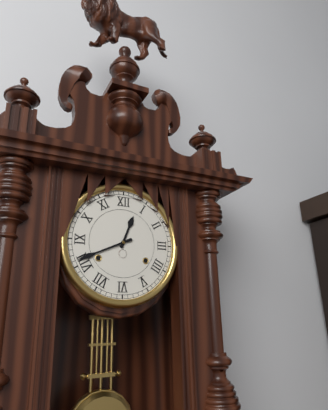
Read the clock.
12:41
